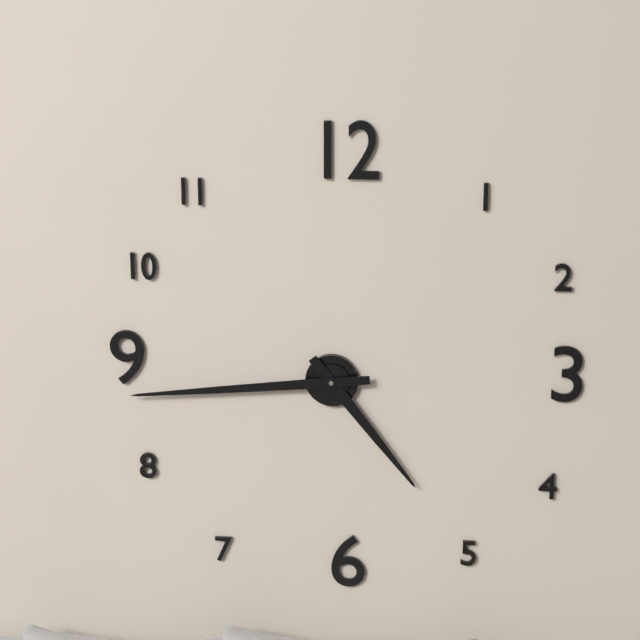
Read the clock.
4:44
